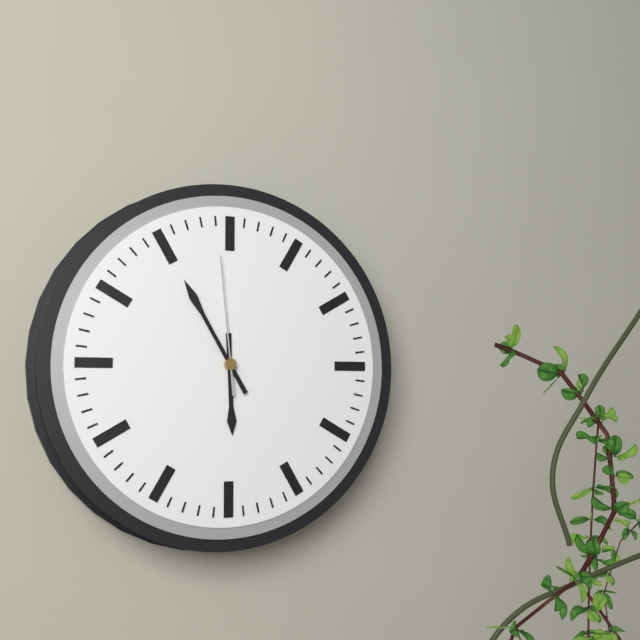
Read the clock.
5:55:59
